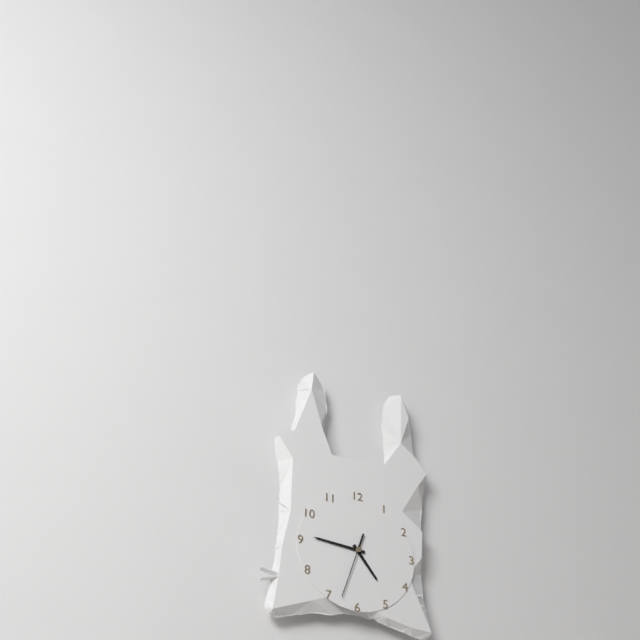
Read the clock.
4:46:33
